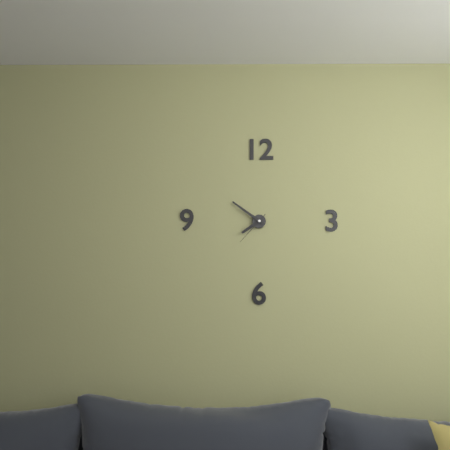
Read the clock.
7:51
